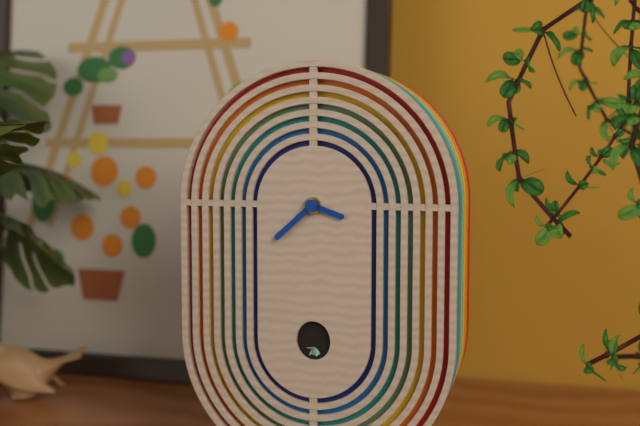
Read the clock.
3:38
